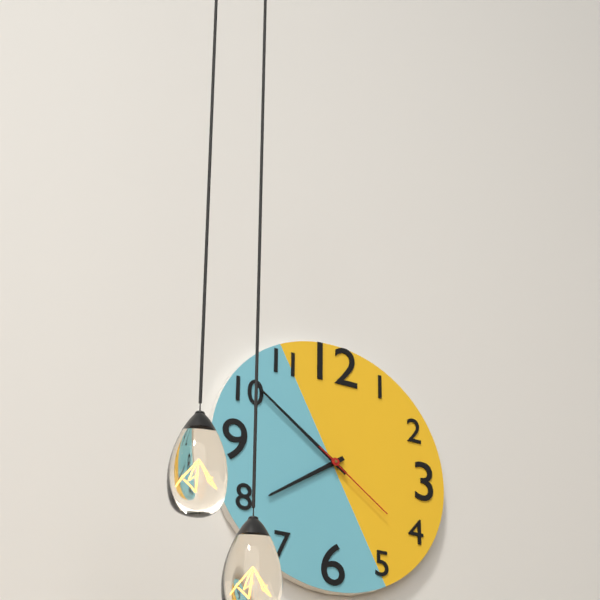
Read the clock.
7:51:21
